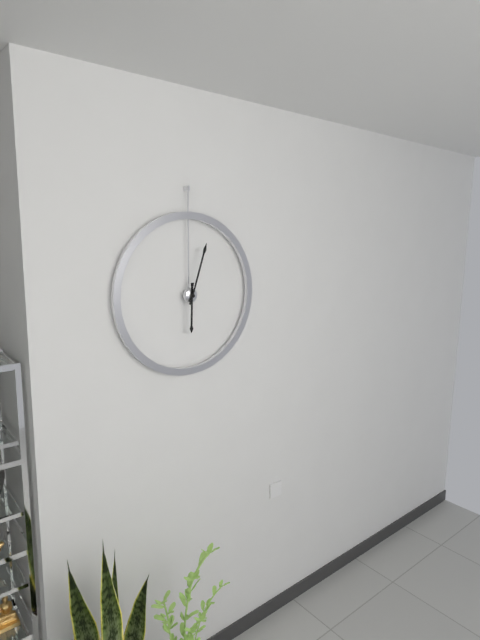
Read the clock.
6:03
